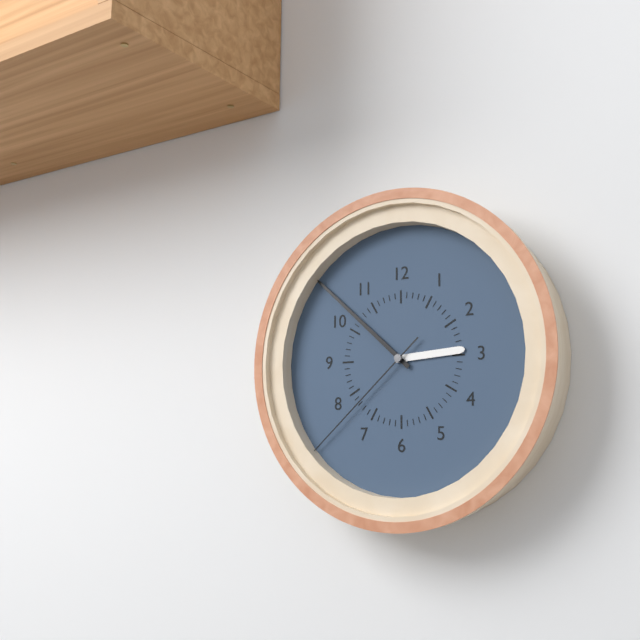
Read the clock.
2:52:38
